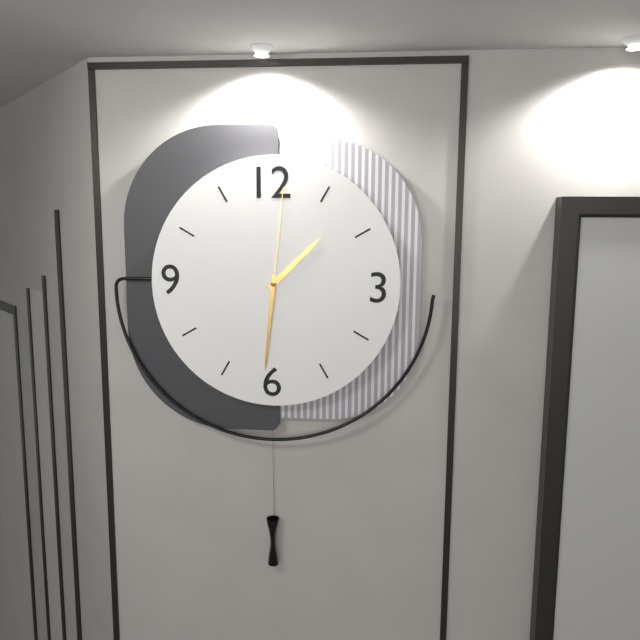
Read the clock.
1:31:01
